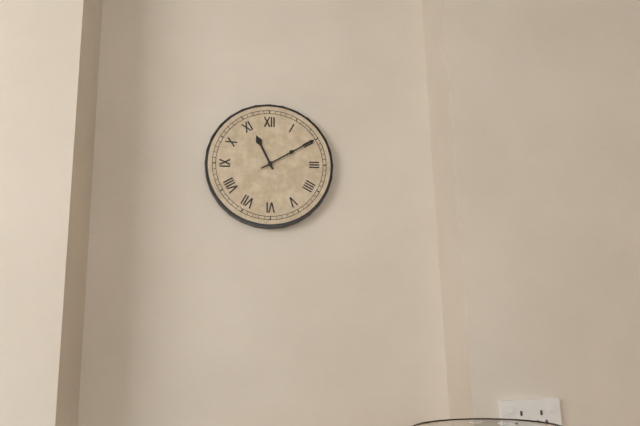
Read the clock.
11:10
